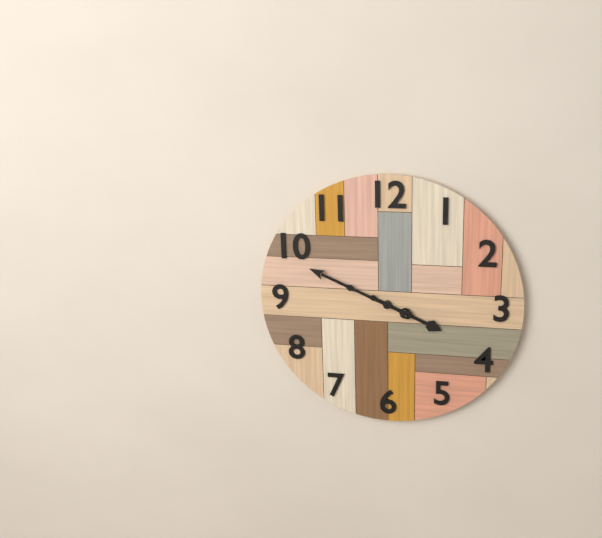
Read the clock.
3:49
